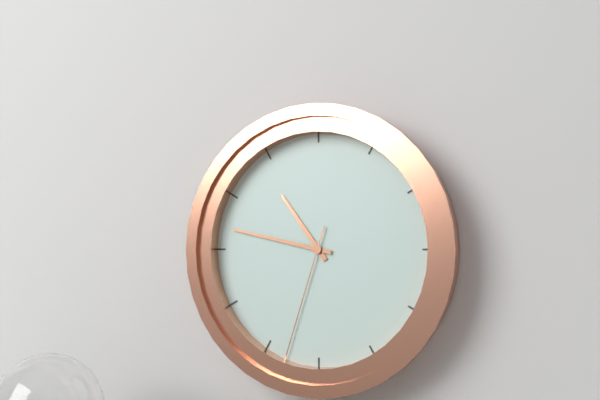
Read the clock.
10:47:33
